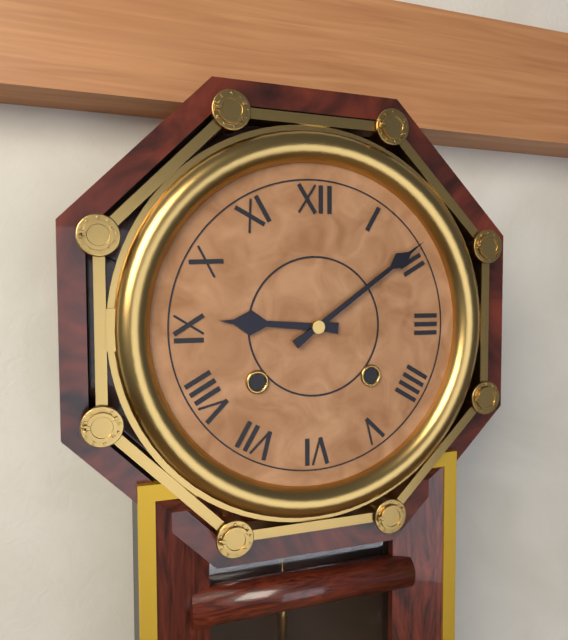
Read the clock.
9:09
